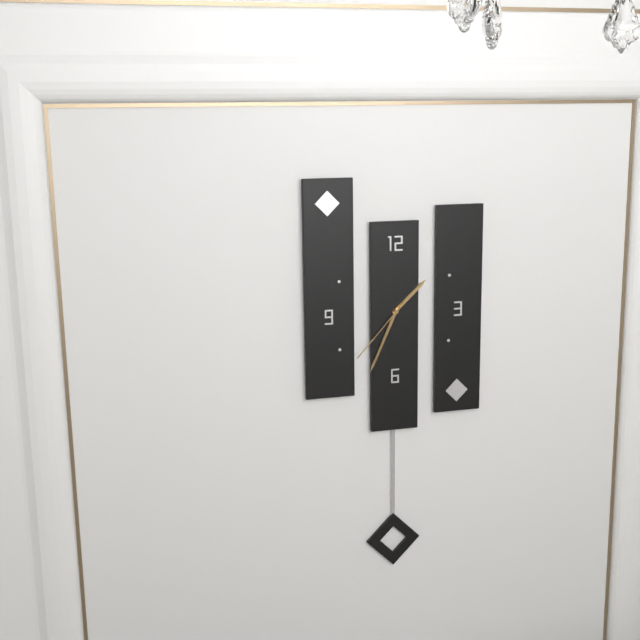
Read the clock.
1:34:37
